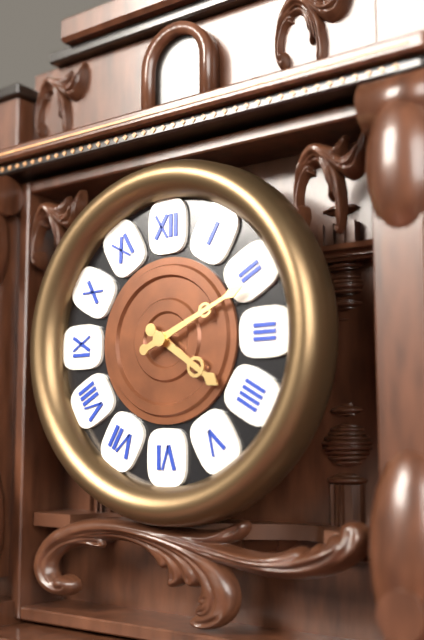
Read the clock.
4:11
